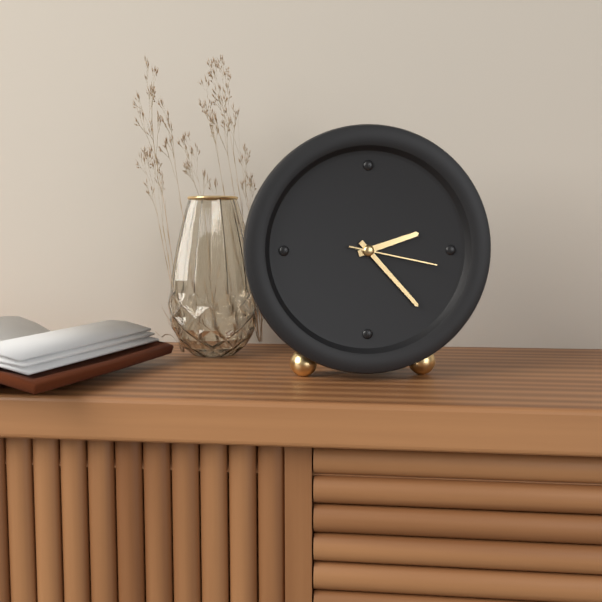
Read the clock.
2:23:17
